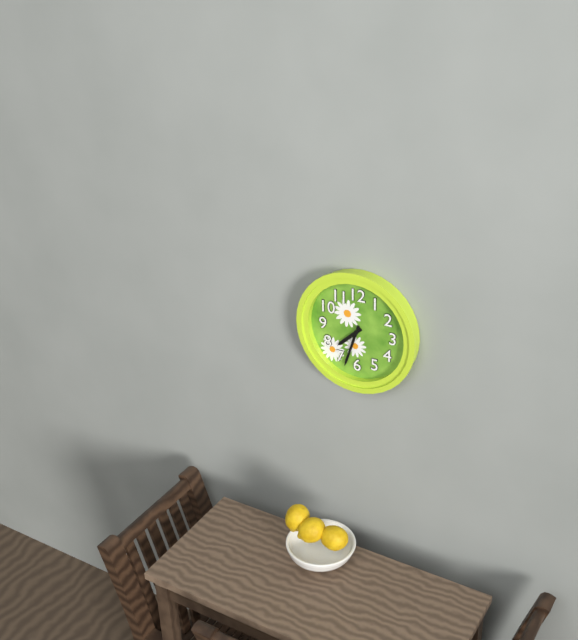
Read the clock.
7:33
